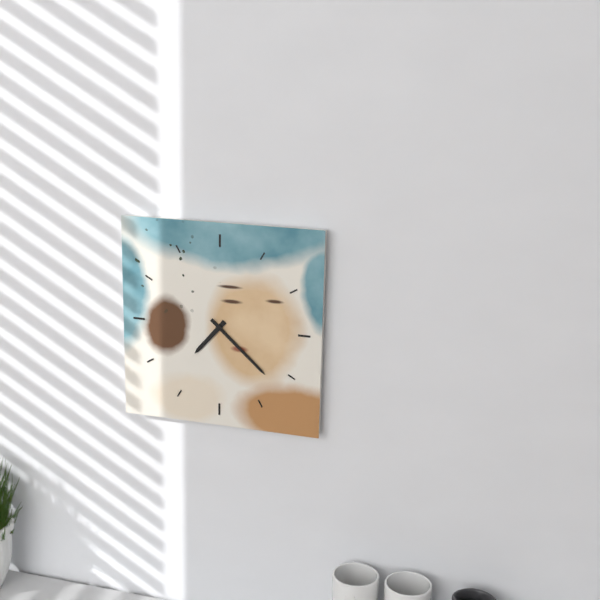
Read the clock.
7:22
